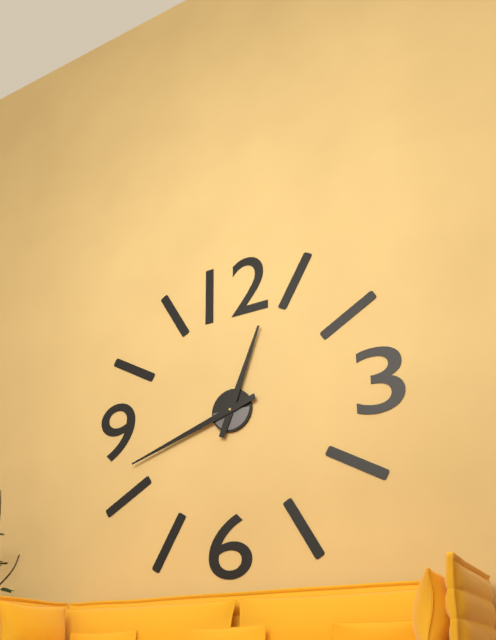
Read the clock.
12:42
